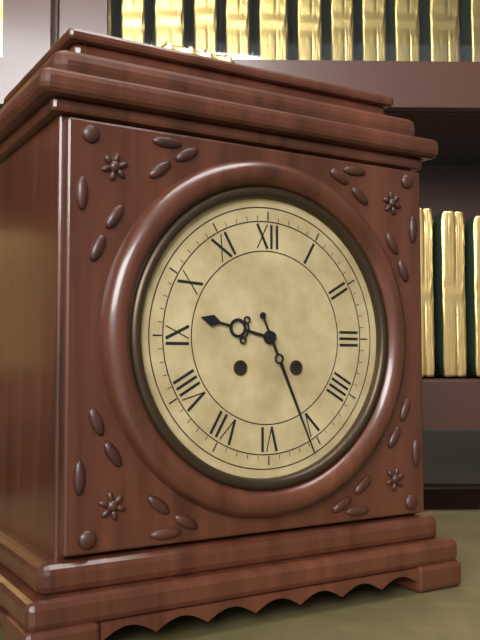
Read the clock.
9:26
